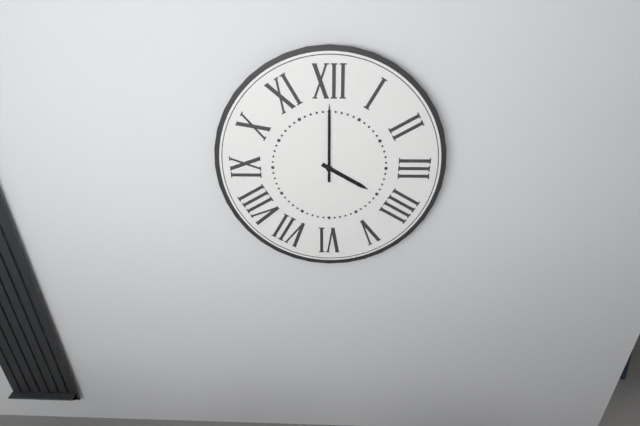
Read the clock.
4:00
